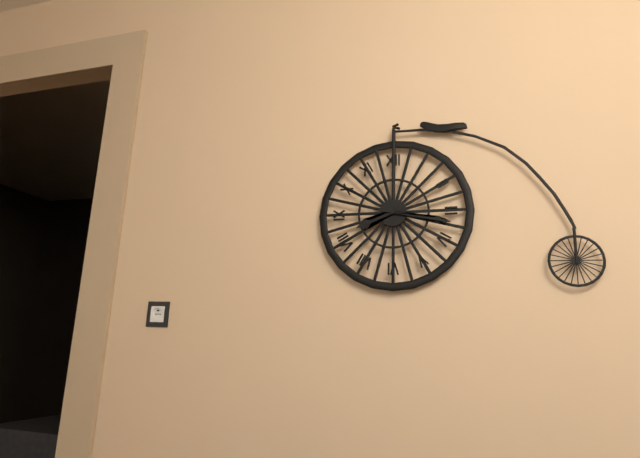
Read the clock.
8:17
